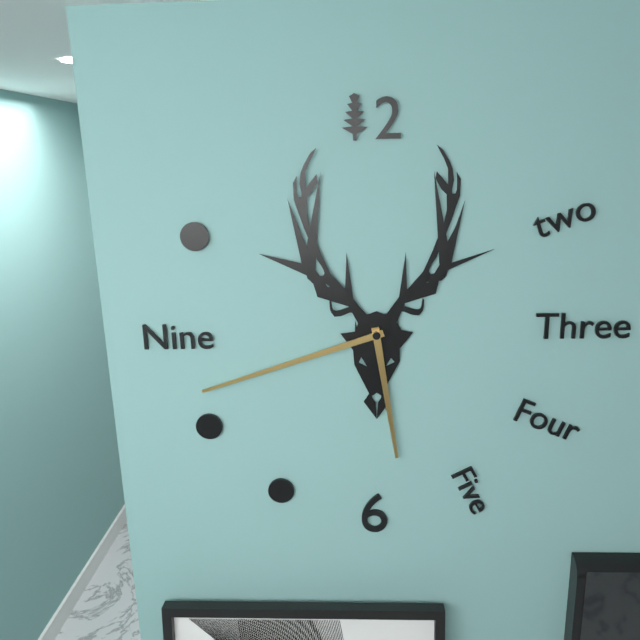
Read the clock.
5:42
